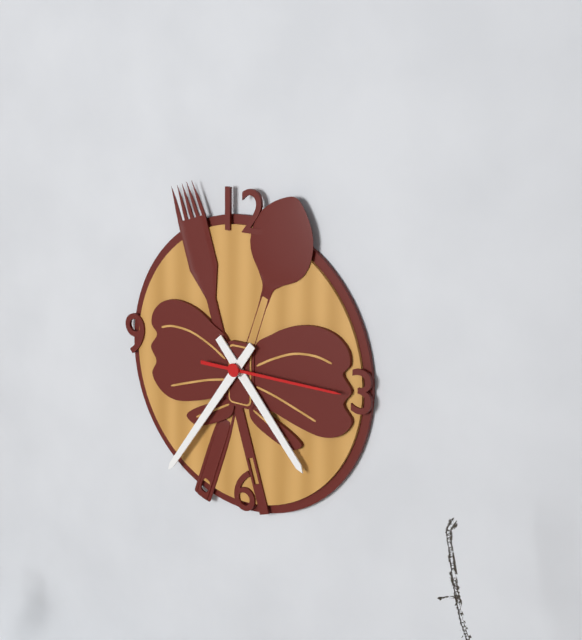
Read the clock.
4:36:15
